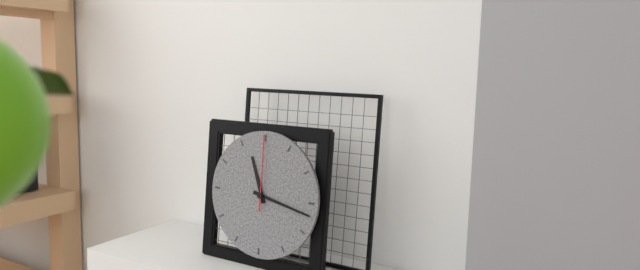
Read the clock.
11:17:00
